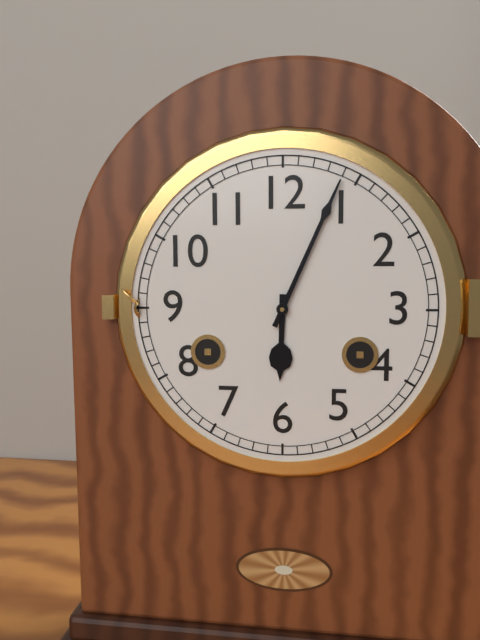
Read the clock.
6:04
